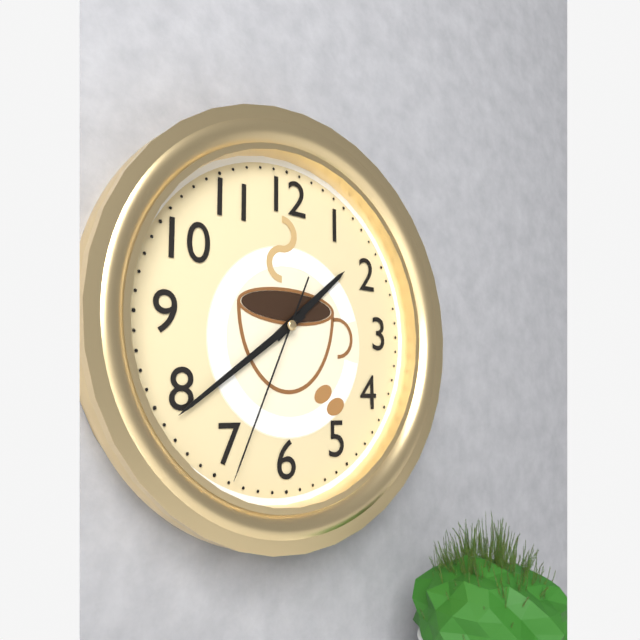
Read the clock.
1:39:34
